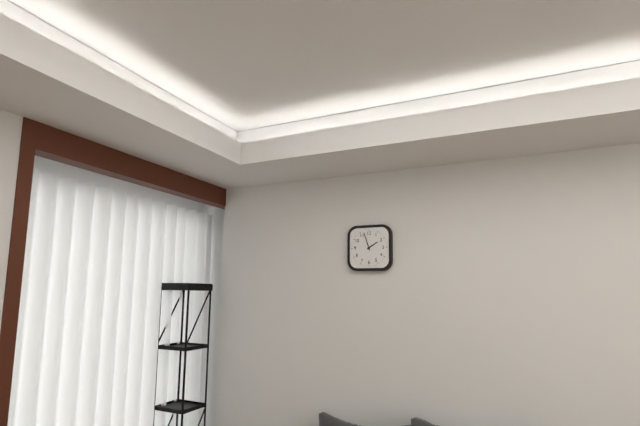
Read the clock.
1:57
